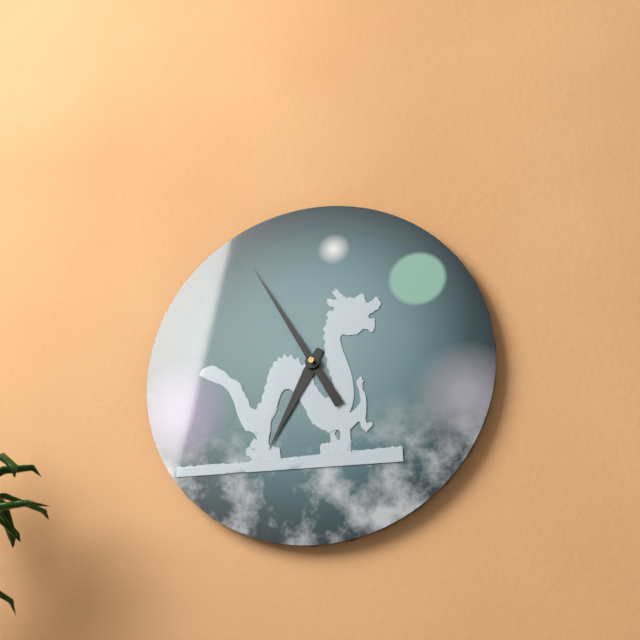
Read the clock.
6:55
